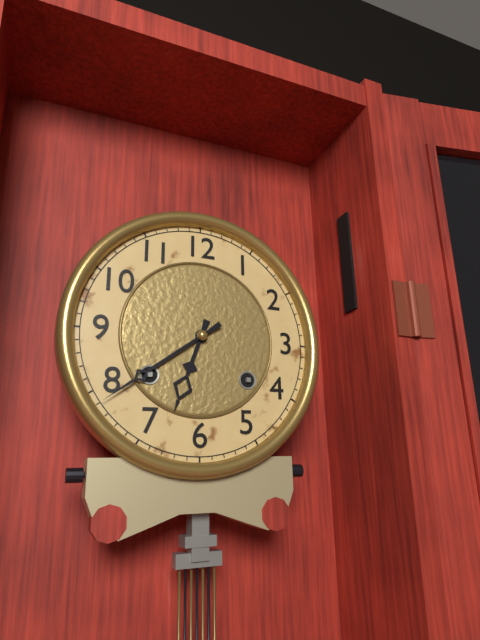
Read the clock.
6:39
